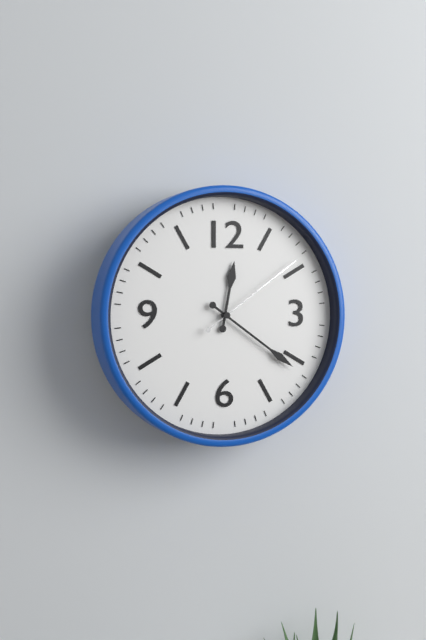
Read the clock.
12:21:09
